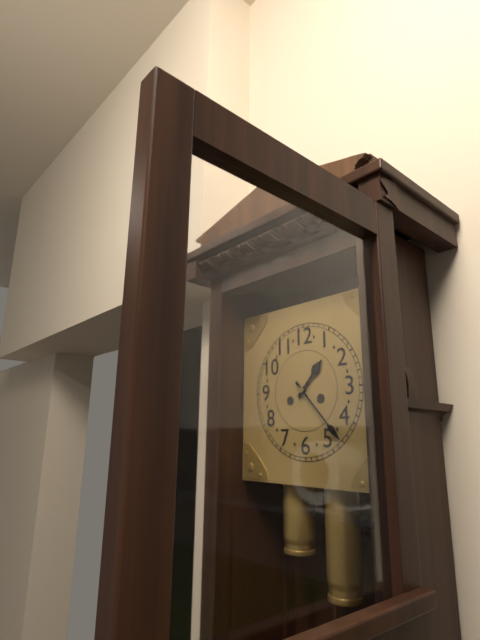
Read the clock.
1:23
